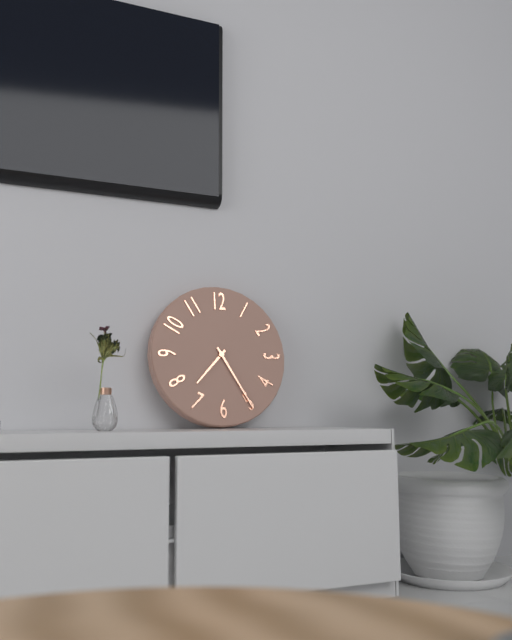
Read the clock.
7:25
